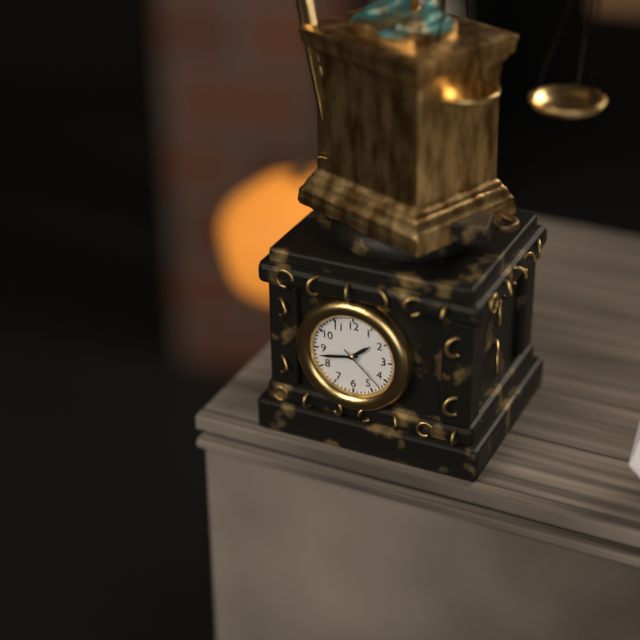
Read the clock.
1:43:22
